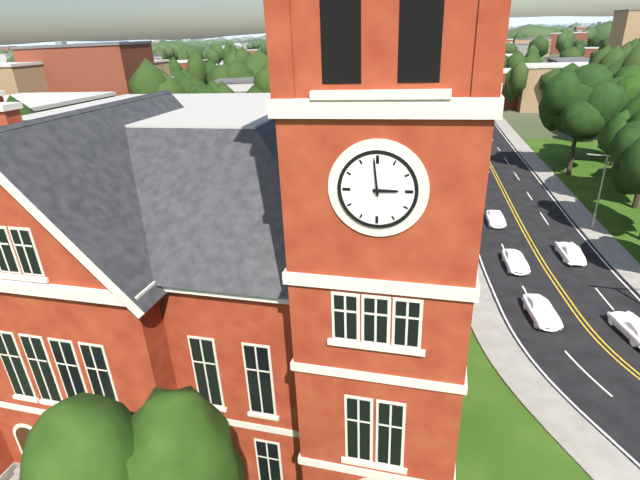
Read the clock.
2:59
